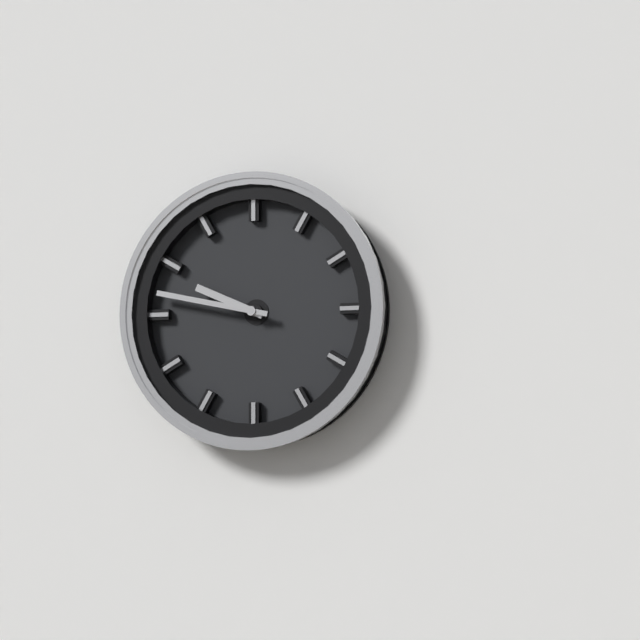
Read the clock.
9:47
